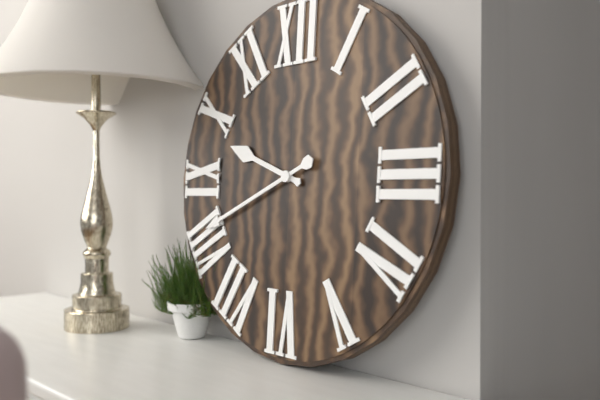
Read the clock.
9:41
